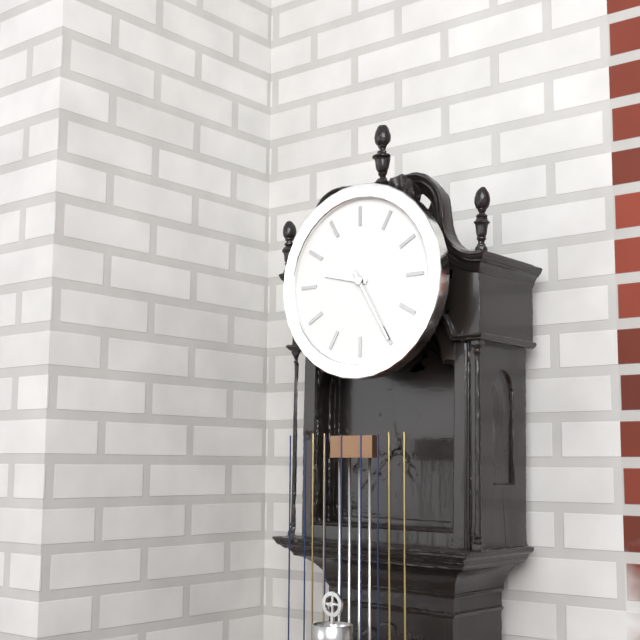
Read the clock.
9:25
